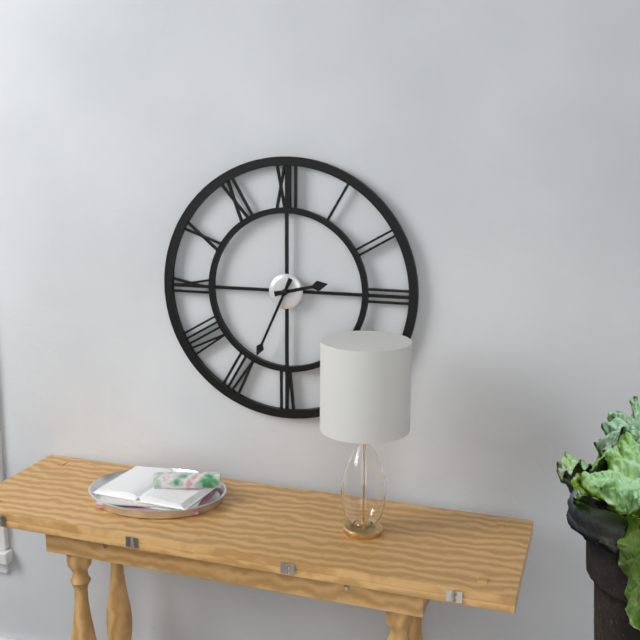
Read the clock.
2:34
